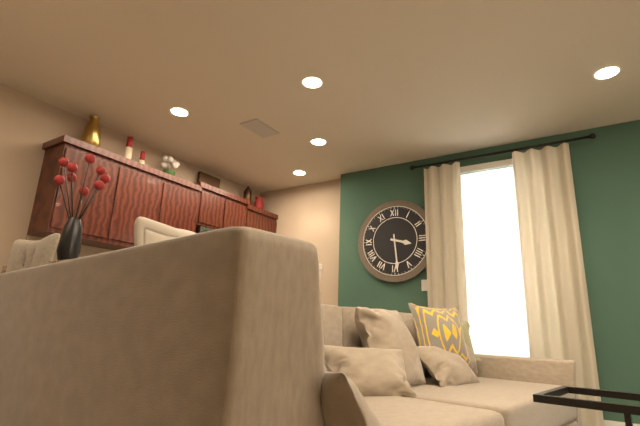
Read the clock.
3:29
